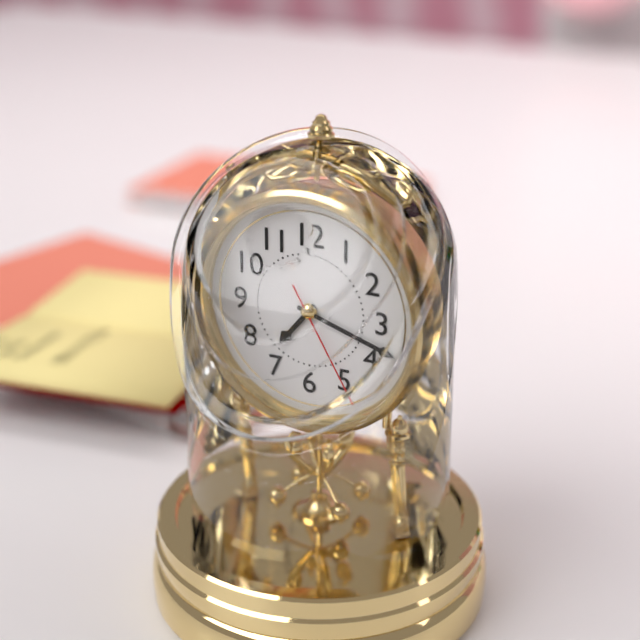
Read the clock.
7:18:25
